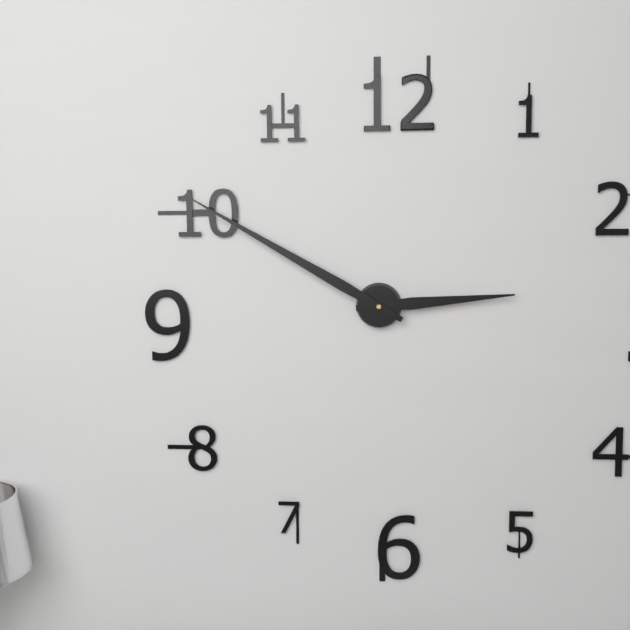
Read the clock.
2:50
